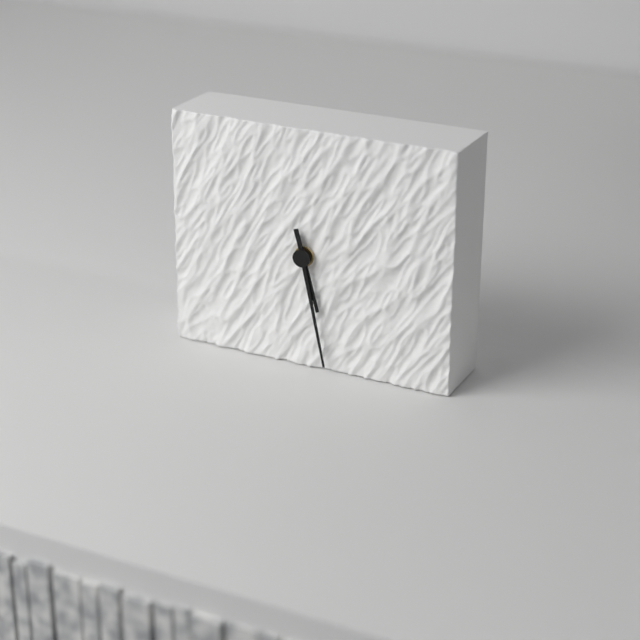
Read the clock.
5:28
